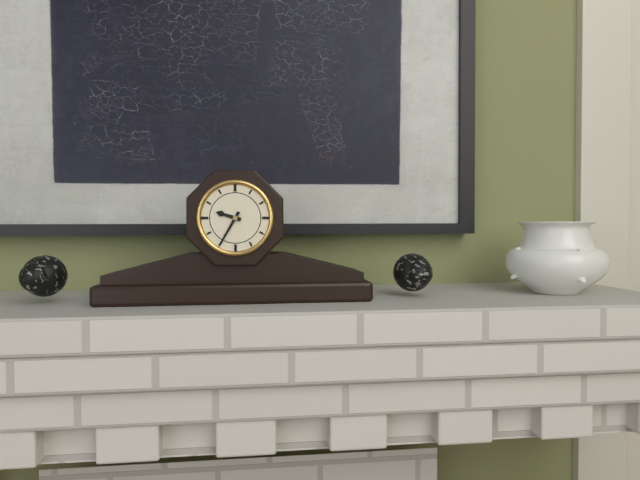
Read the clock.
9:35
